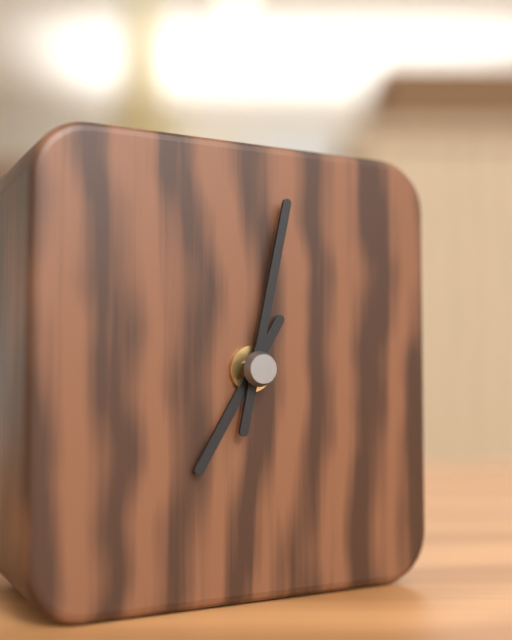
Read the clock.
7:02
